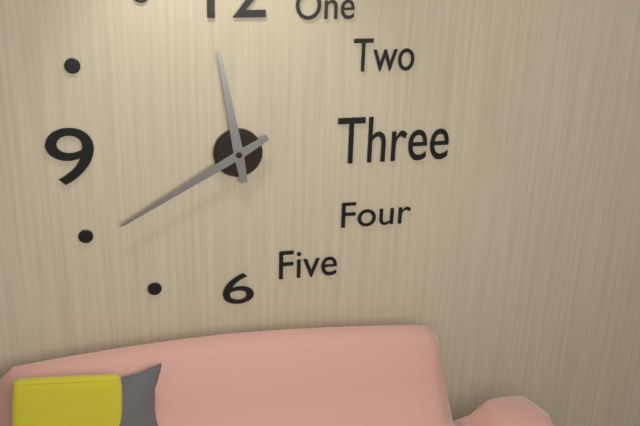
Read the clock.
11:40
